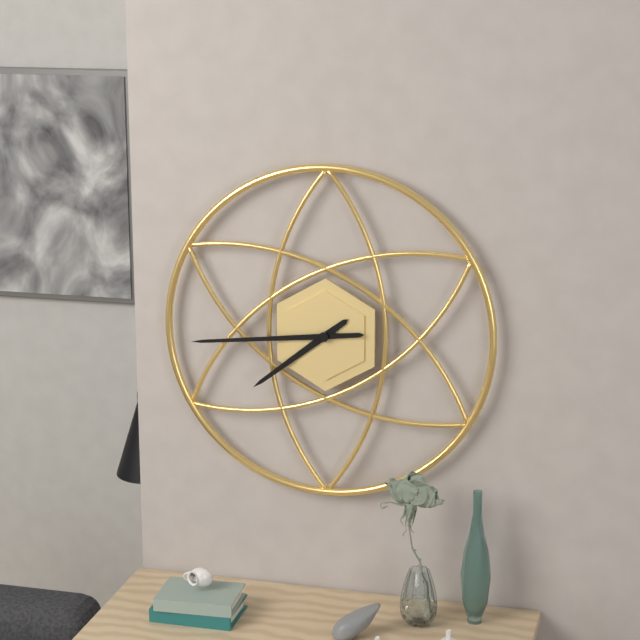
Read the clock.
7:44
